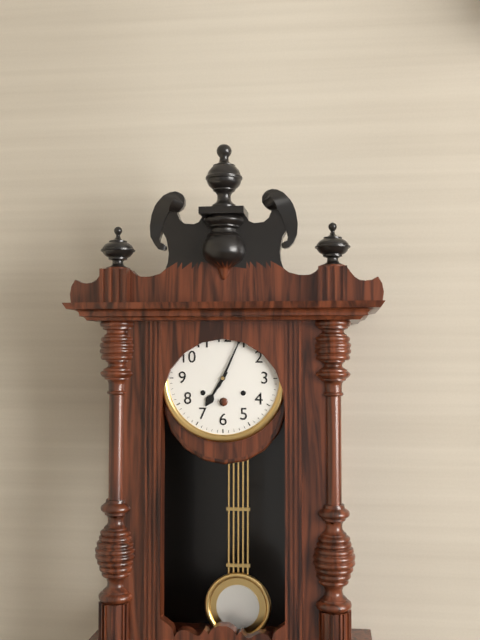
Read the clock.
7:04
